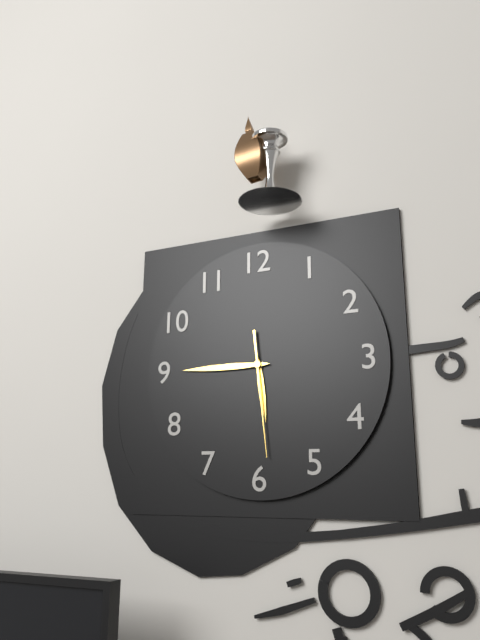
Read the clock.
5:45:29
